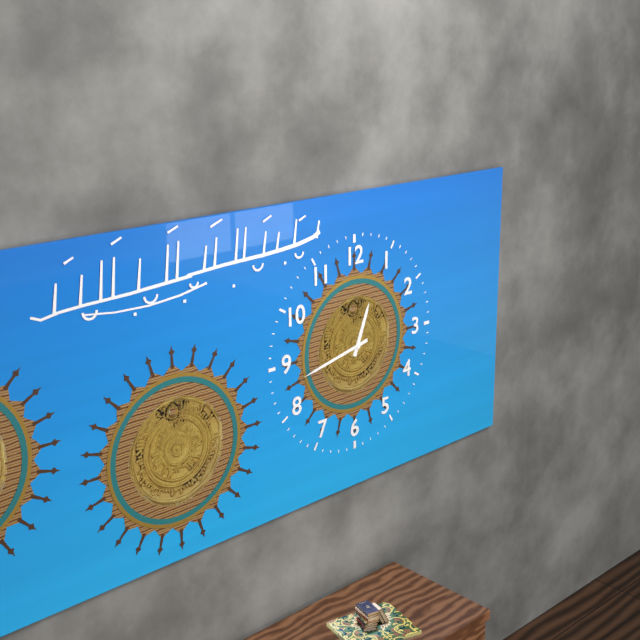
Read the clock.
12:43
